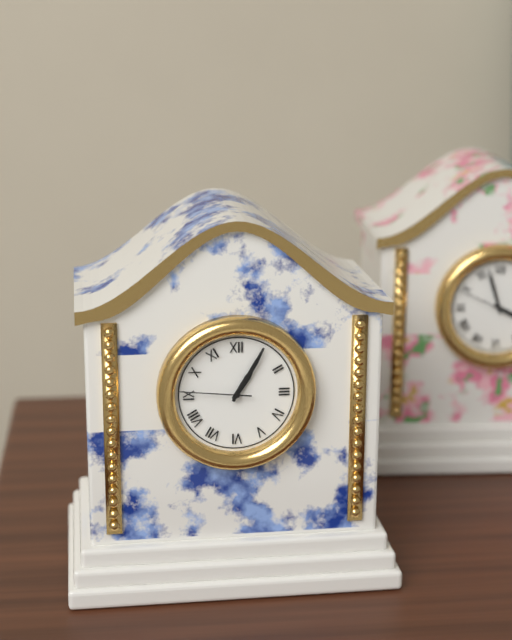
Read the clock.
1:05:46
